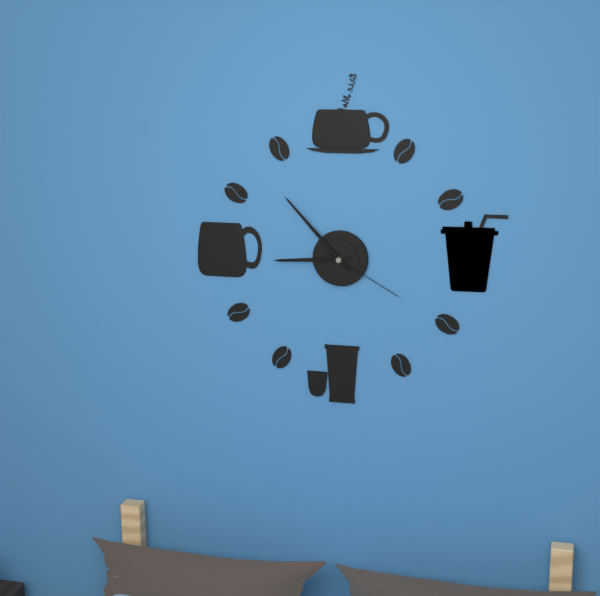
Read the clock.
8:53:20
